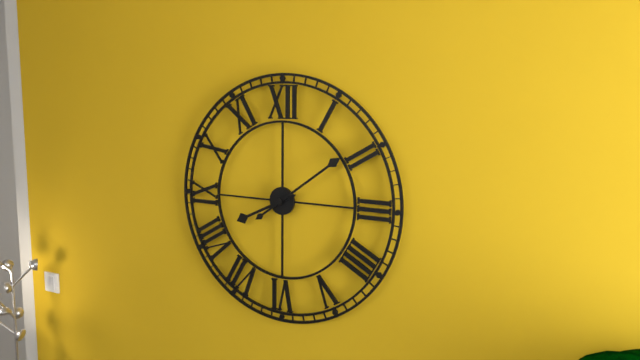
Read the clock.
8:09
